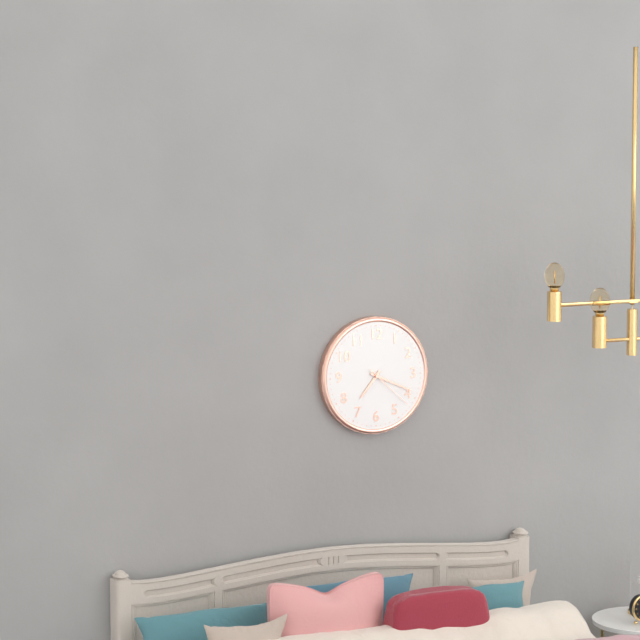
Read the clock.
7:19:22
